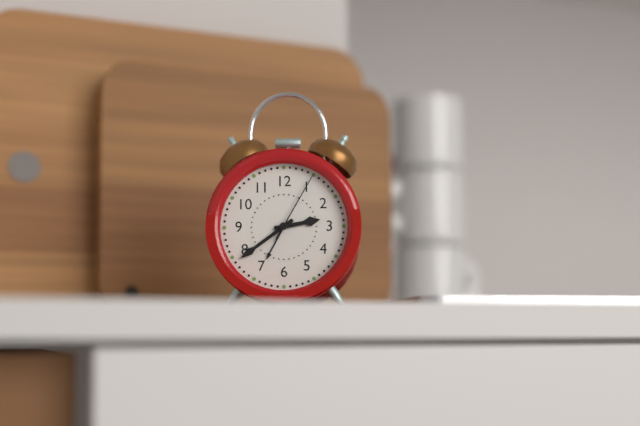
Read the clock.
2:39:05
